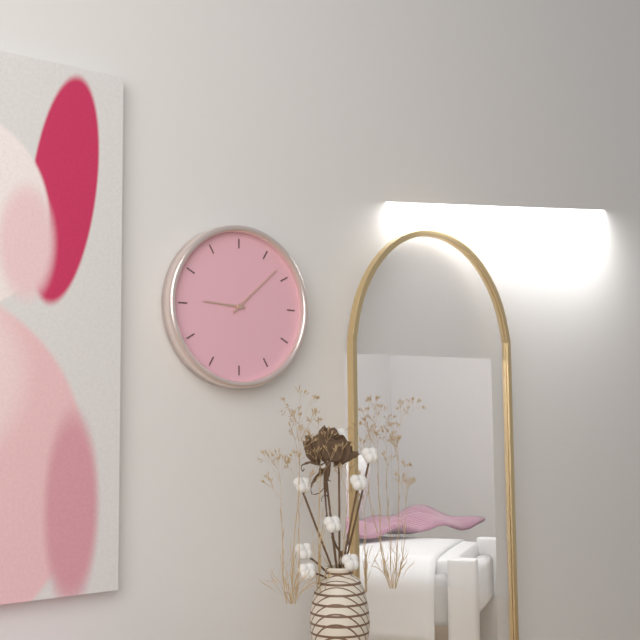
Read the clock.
9:08
